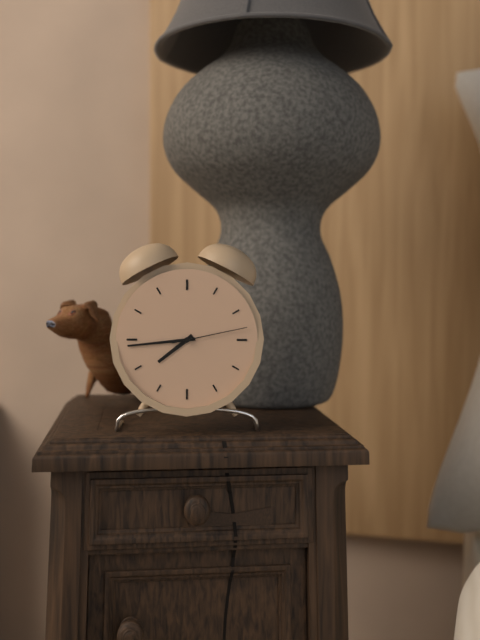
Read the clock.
7:44:13
